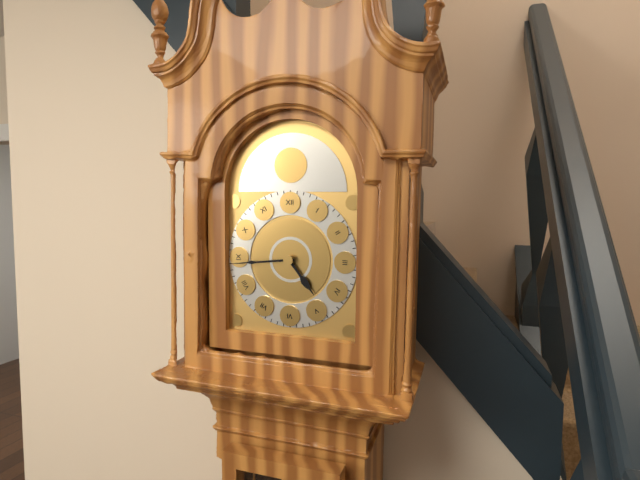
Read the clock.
4:44
